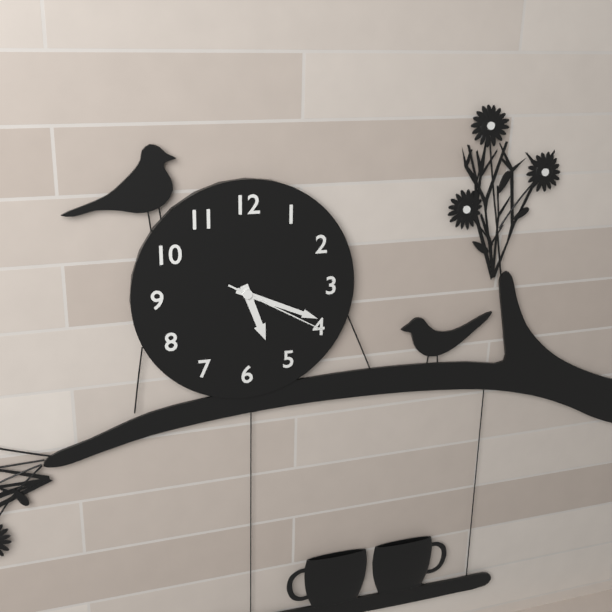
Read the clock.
5:19:20
